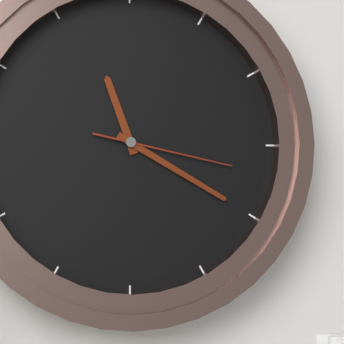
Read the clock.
11:20:17
